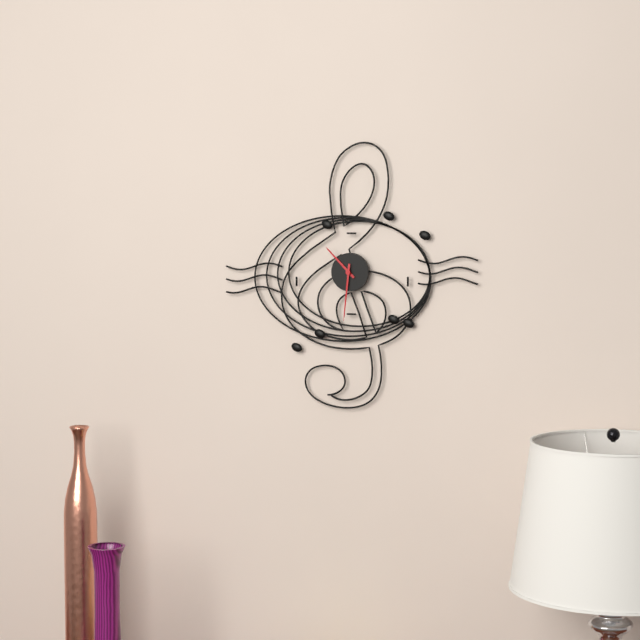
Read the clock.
10:31
